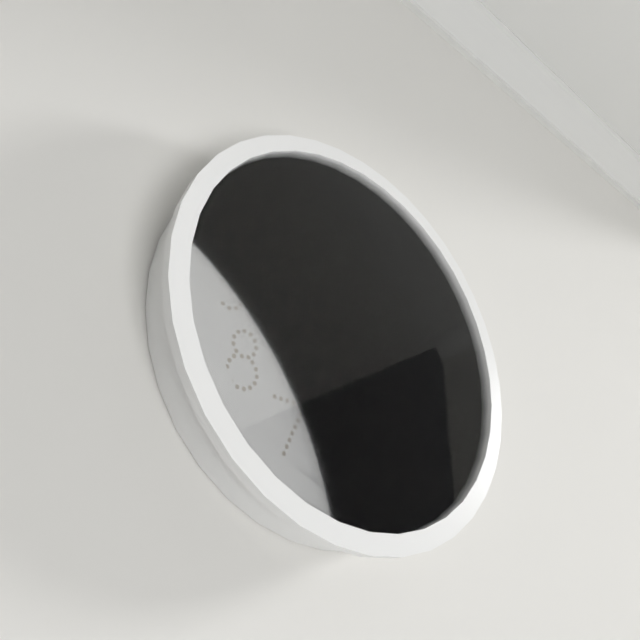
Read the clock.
9:29
